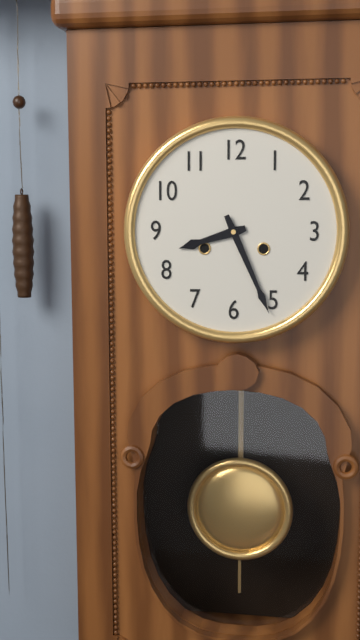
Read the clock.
8:26
